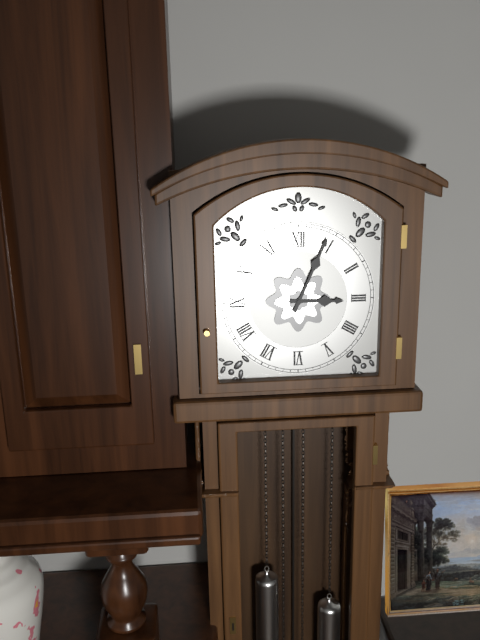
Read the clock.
3:04
